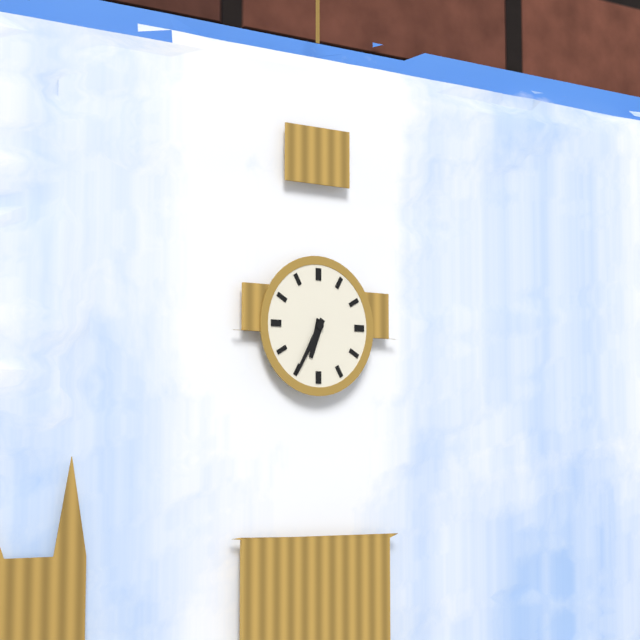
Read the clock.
6:35
